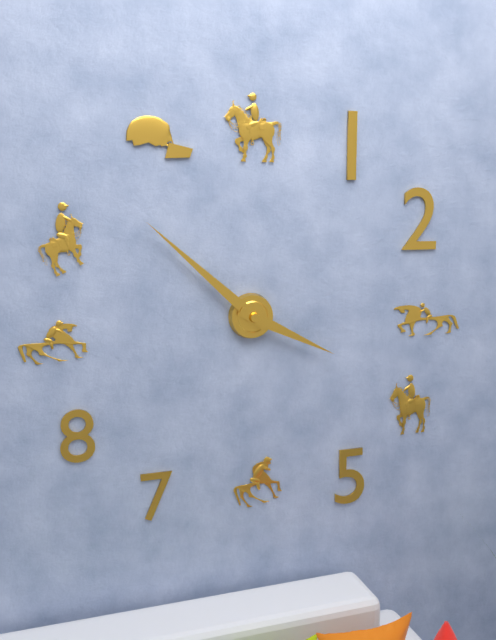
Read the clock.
3:52
